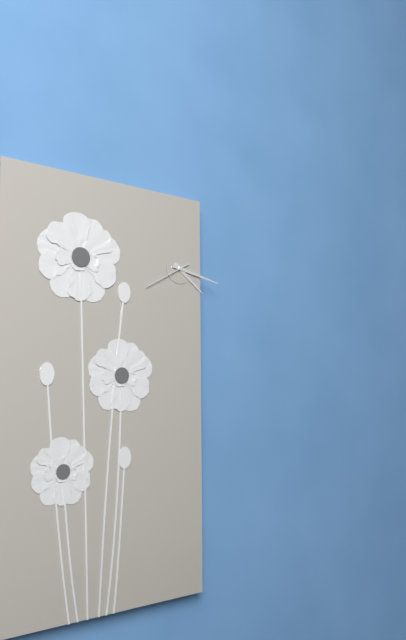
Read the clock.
4:17
